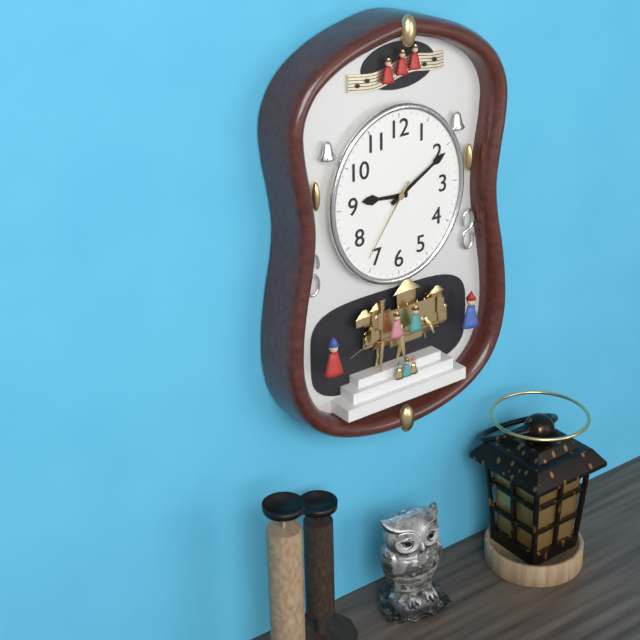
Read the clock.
9:10:36
